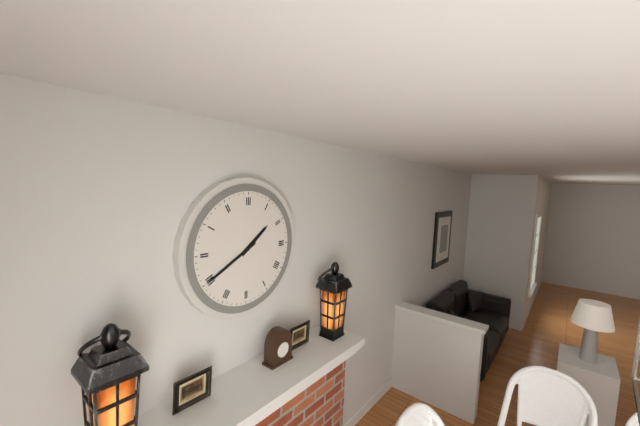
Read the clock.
1:40
